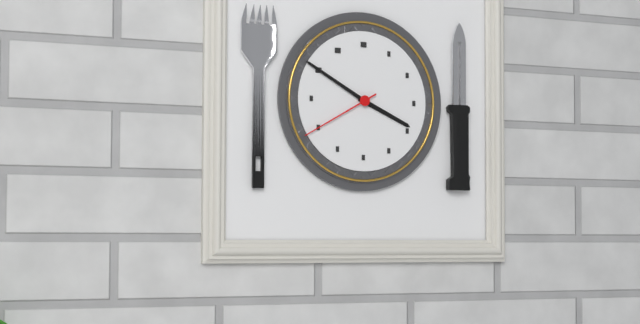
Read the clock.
3:50:40
